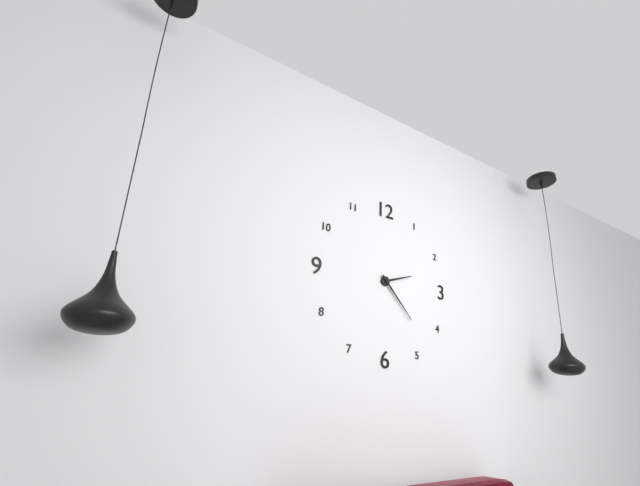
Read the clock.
2:23
